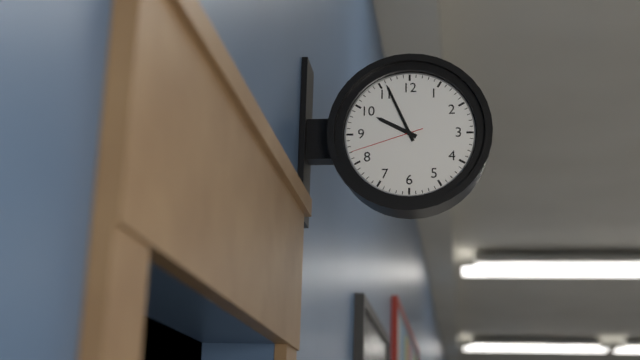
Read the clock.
9:56:42
